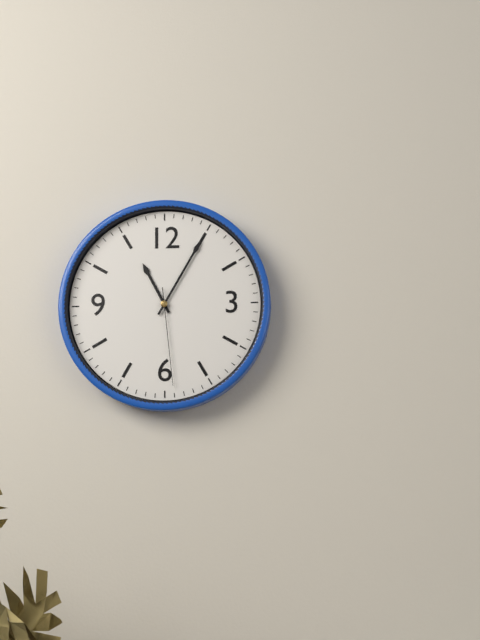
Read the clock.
11:05:29
